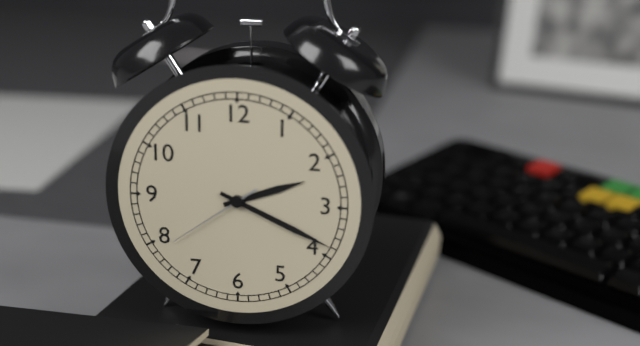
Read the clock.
2:19:39
